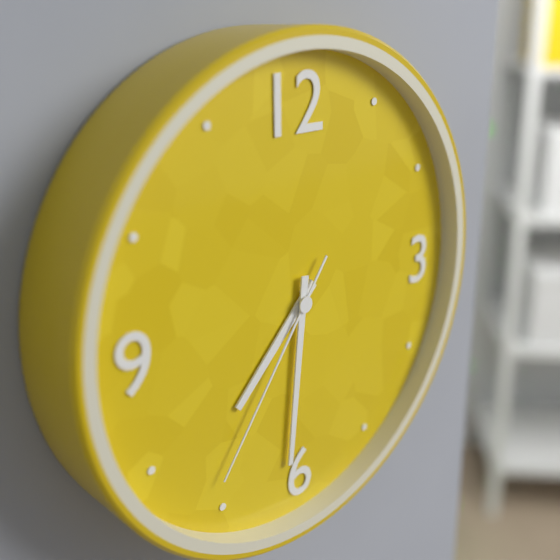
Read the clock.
7:31:36
